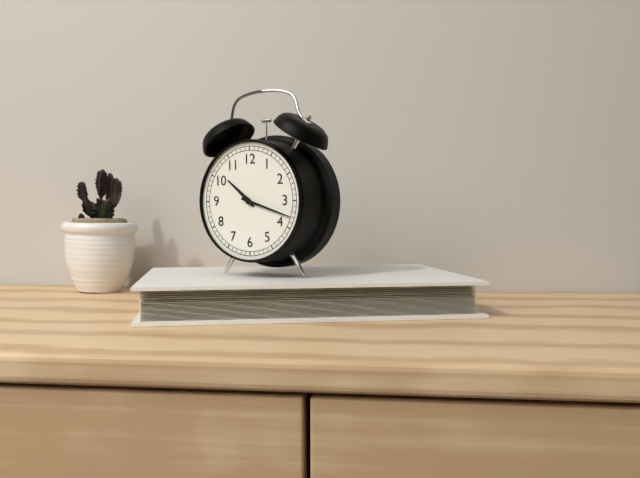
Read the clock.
10:18
